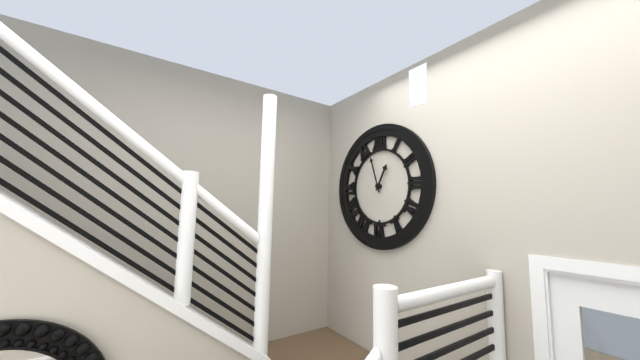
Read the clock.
12:57
